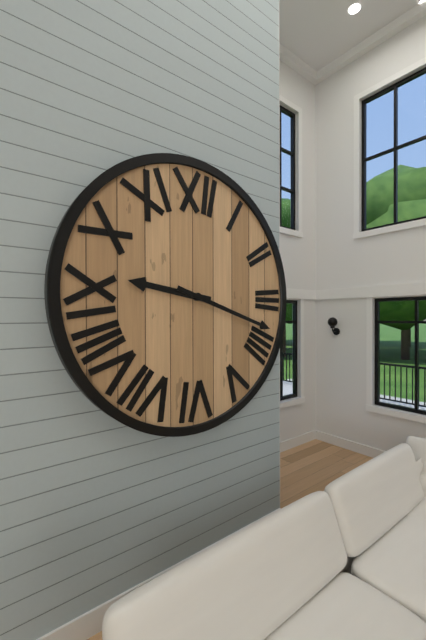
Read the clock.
9:18
